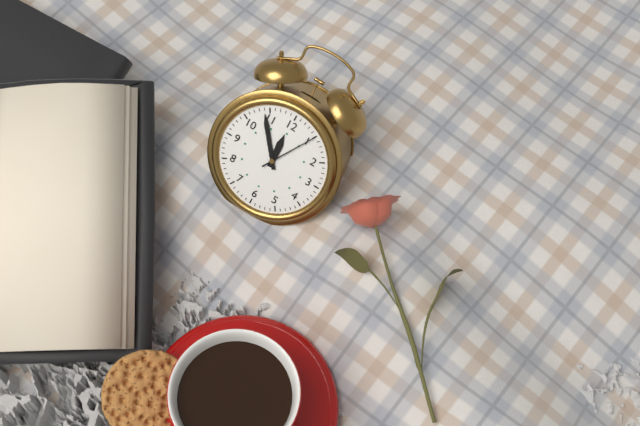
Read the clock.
11:54:05
